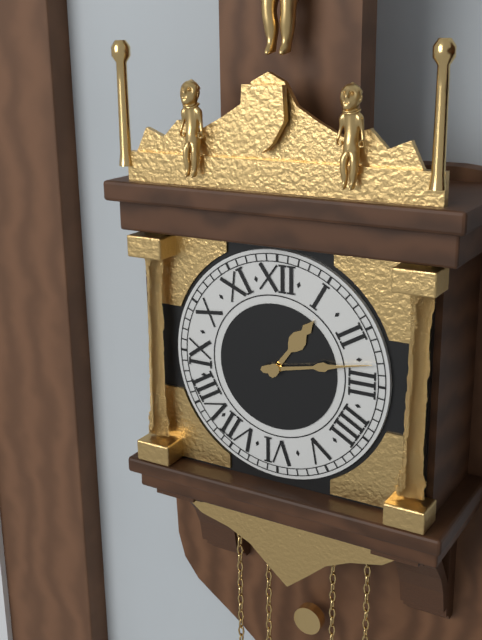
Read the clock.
1:13
